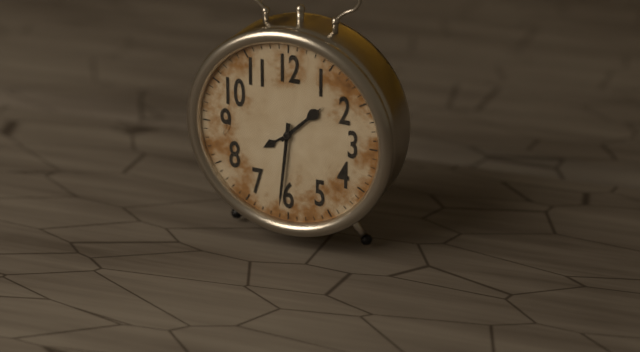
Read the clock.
1:31
